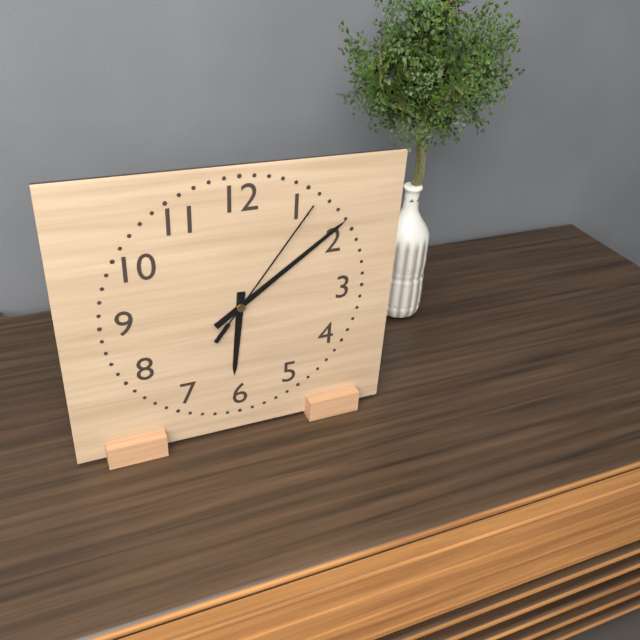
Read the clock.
6:09:06
